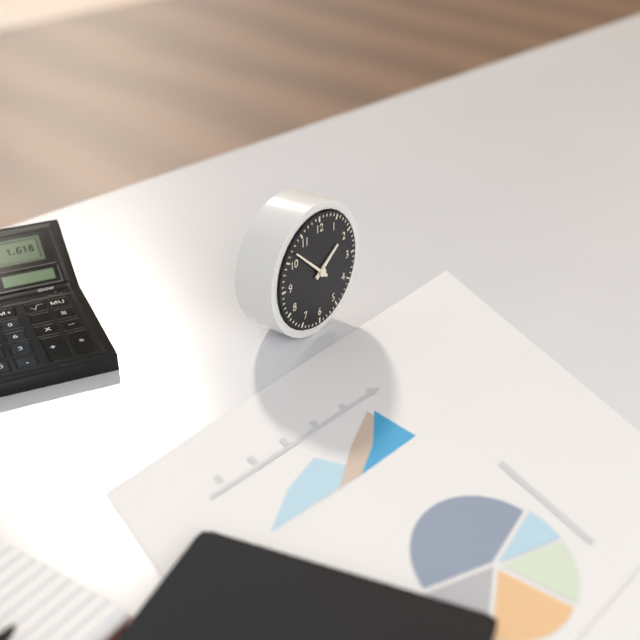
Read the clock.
1:52
